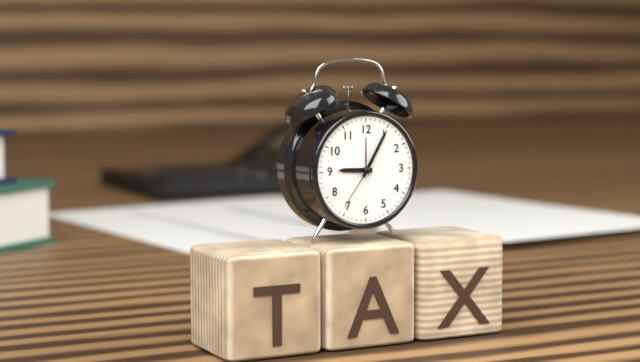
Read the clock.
9:05:36
